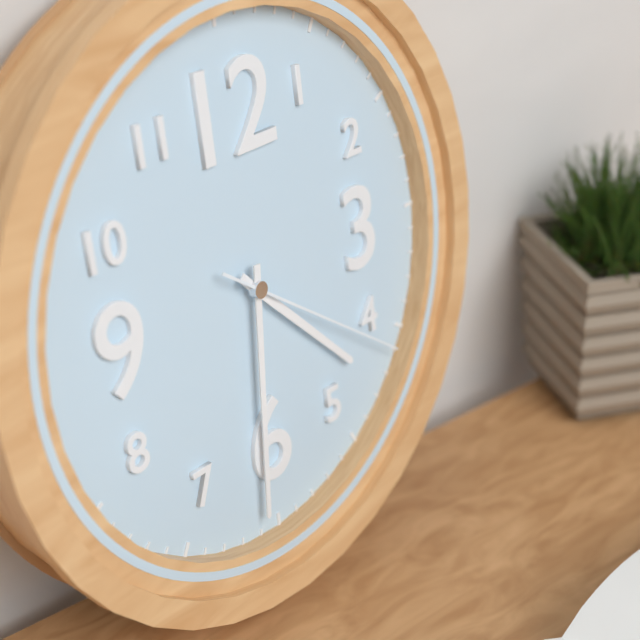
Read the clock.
4:31:21
